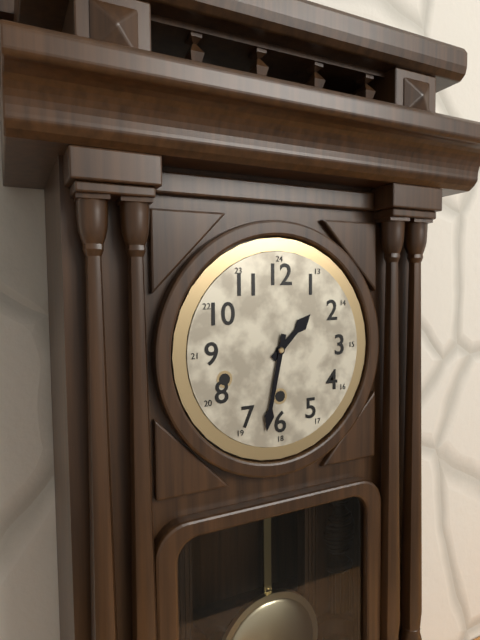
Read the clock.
1:32
